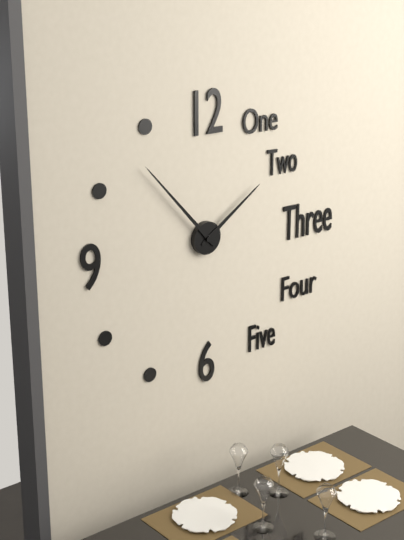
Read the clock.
1:53
